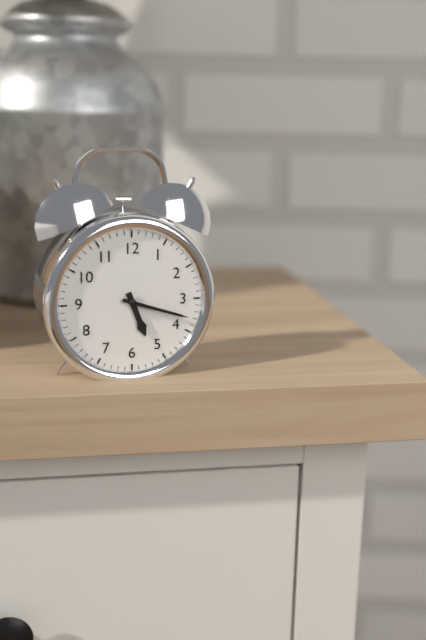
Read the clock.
5:18
